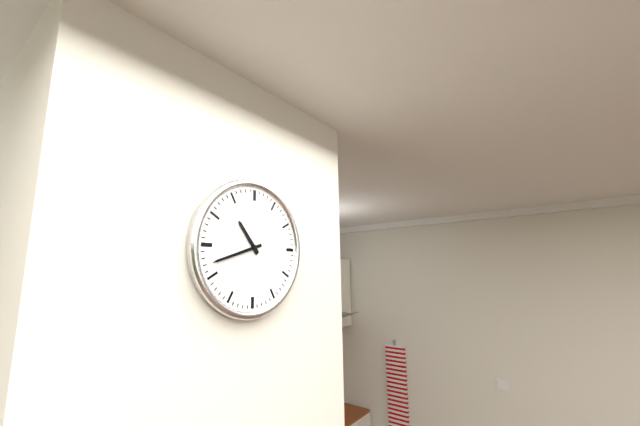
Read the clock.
10:42
